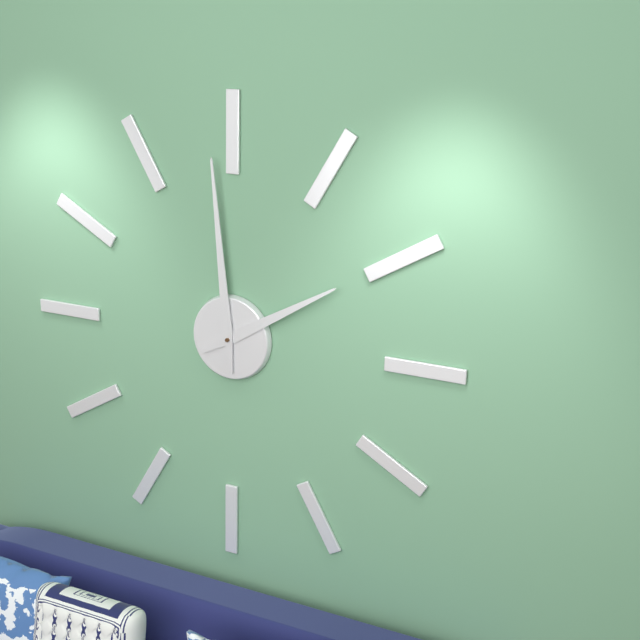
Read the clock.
1:59
